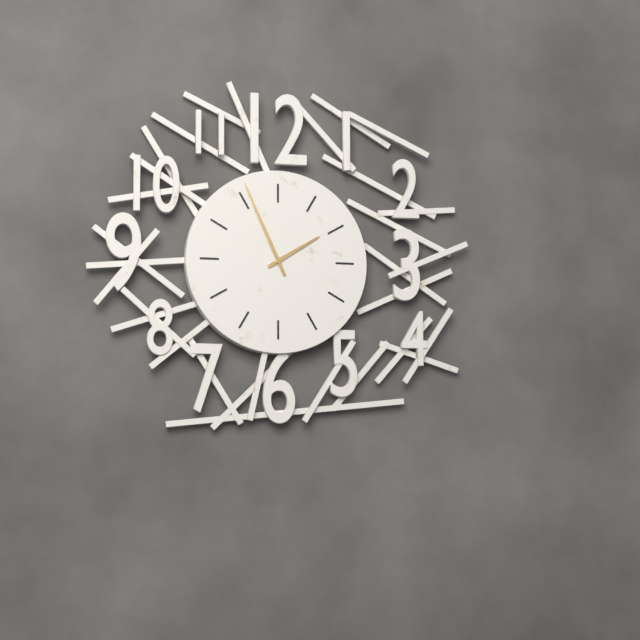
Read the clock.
1:56
